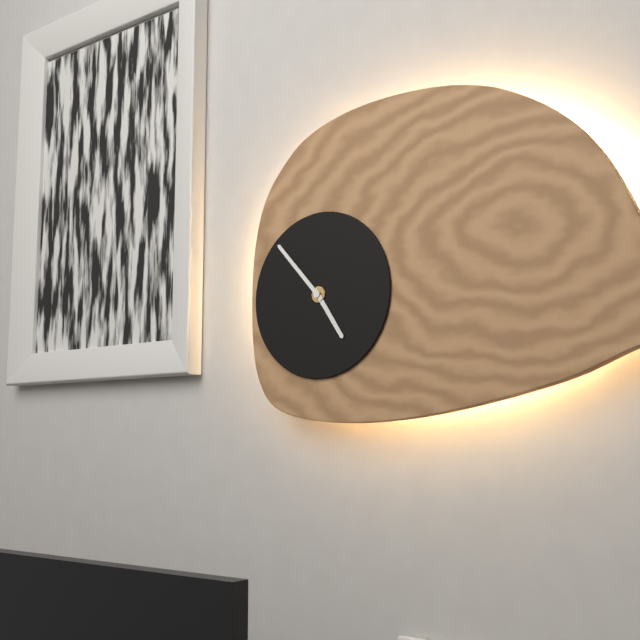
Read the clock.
4:53
